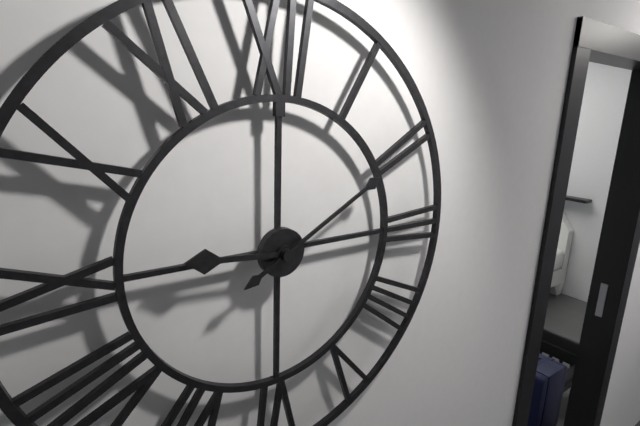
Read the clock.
9:10
